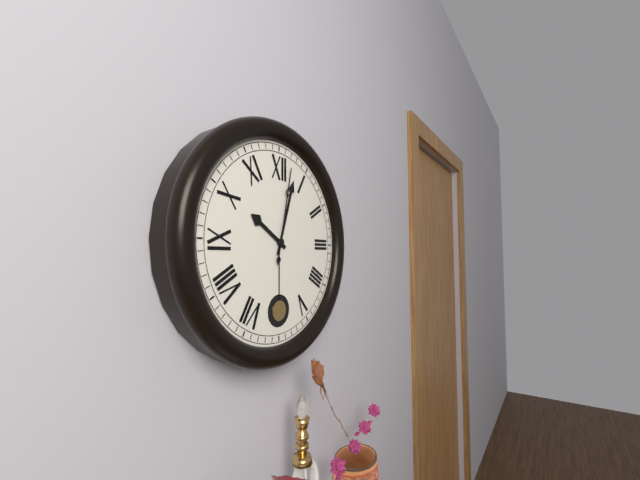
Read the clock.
10:03:02
